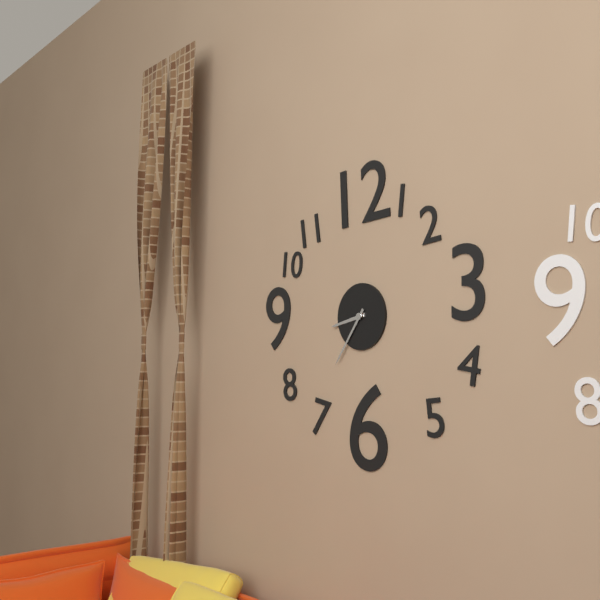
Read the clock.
8:36
